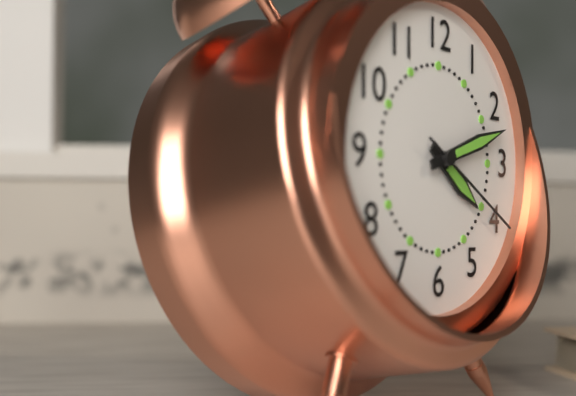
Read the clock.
4:12:20
